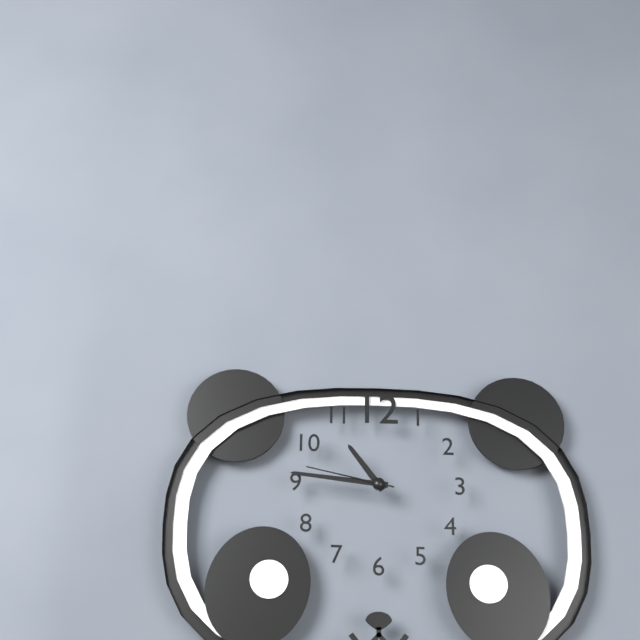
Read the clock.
10:46:47
